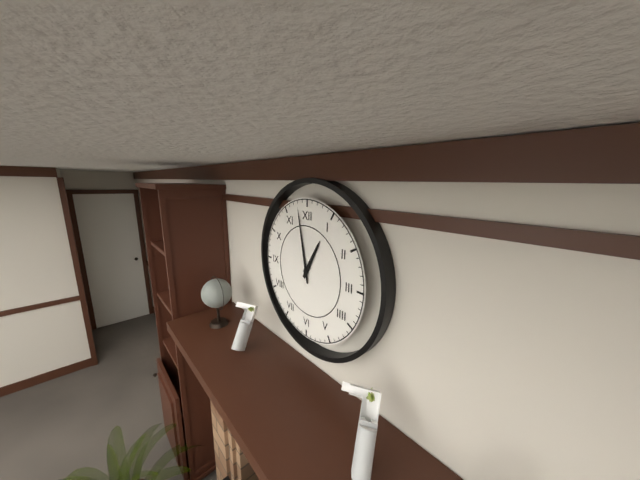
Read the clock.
12:58
